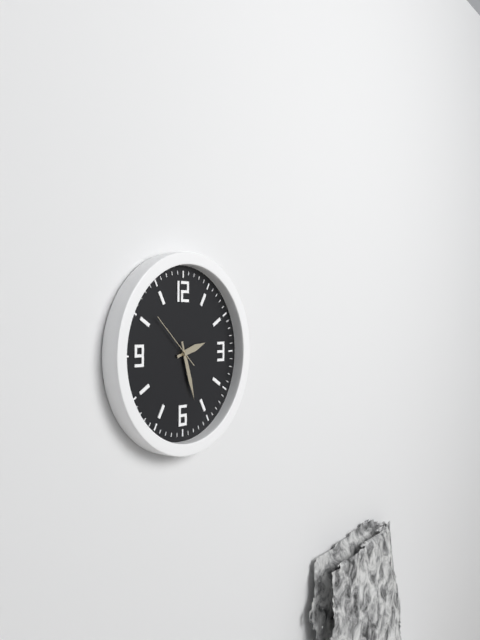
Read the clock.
2:27:52
